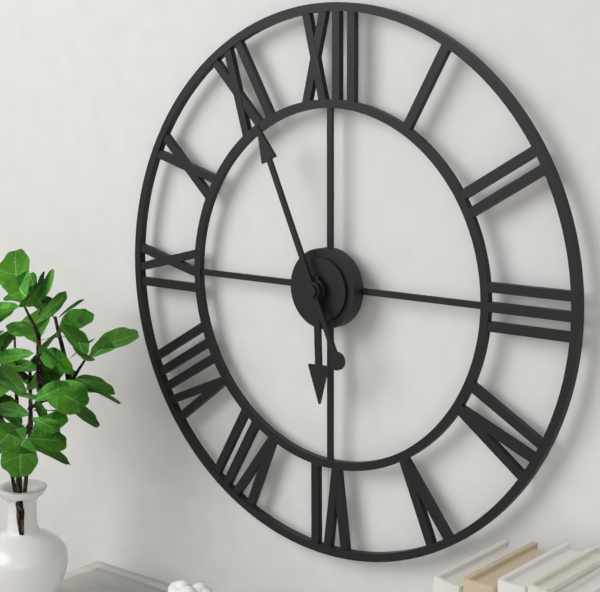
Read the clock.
5:56
